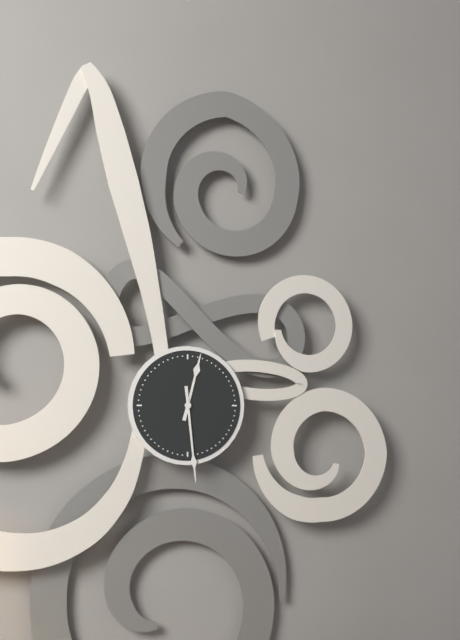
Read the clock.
12:29
